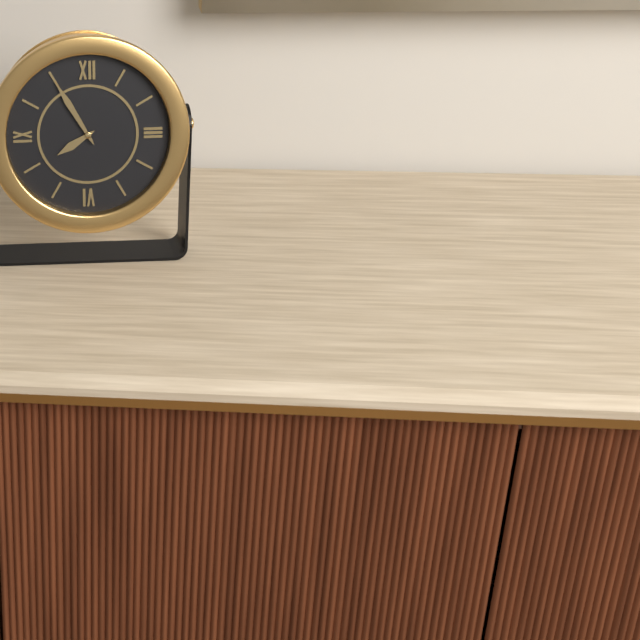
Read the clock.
7:55
